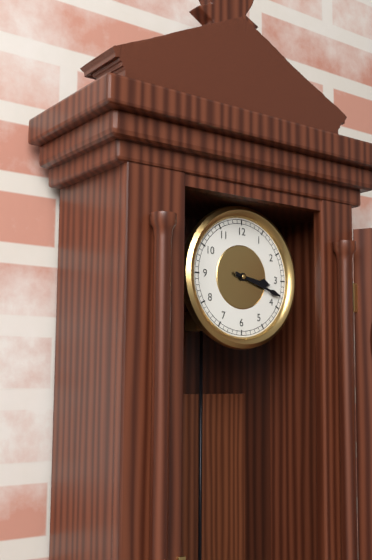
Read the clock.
3:18
